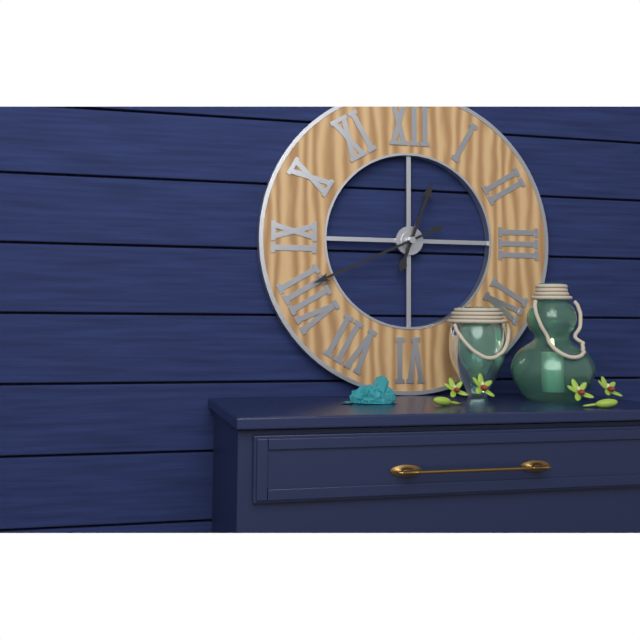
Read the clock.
12:41
